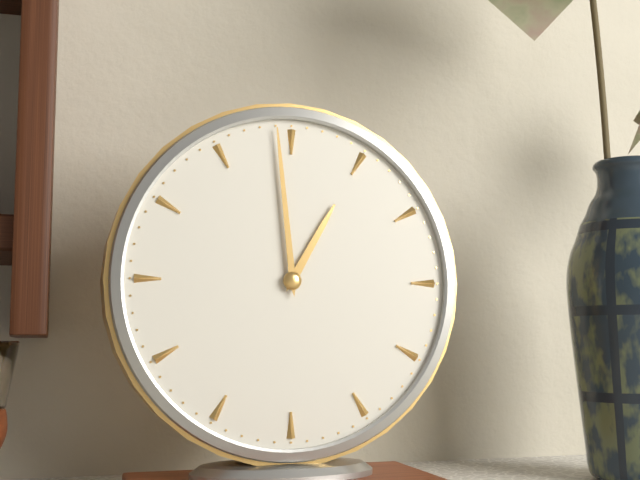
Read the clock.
12:59
